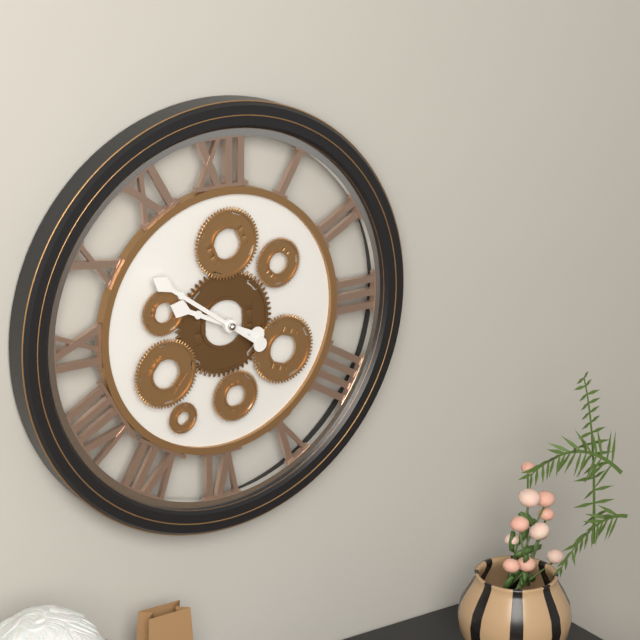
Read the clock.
9:51
